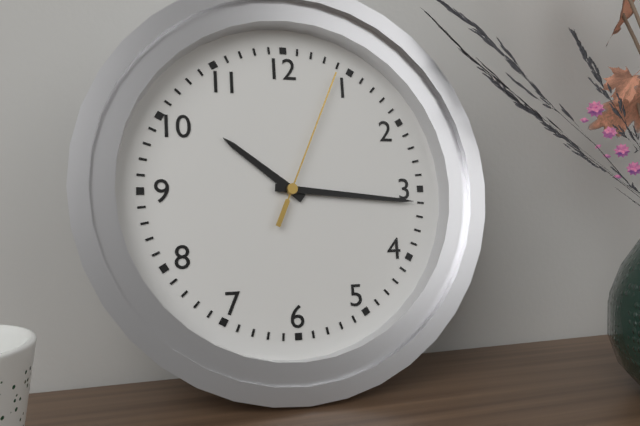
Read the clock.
10:16:04
